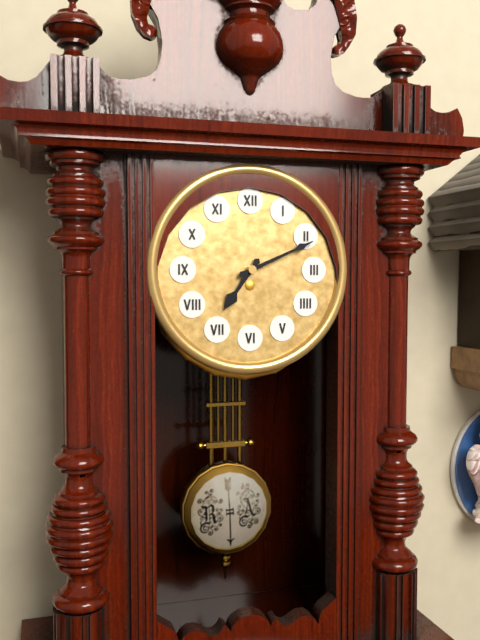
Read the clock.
7:11
